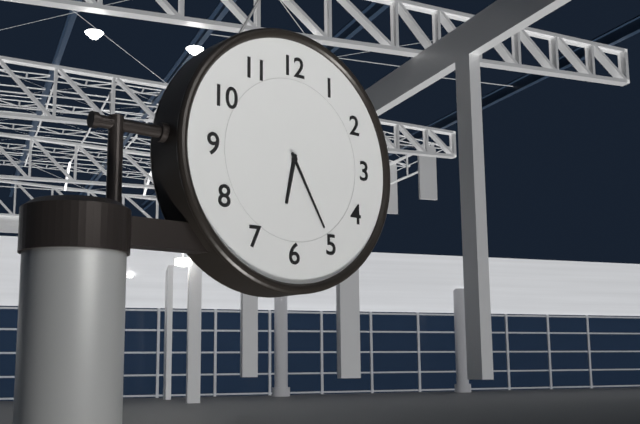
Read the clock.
6:25
